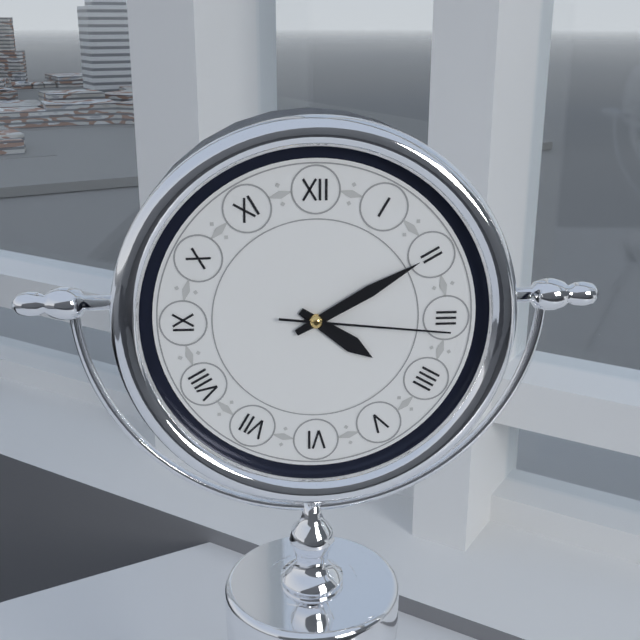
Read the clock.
4:10:16
